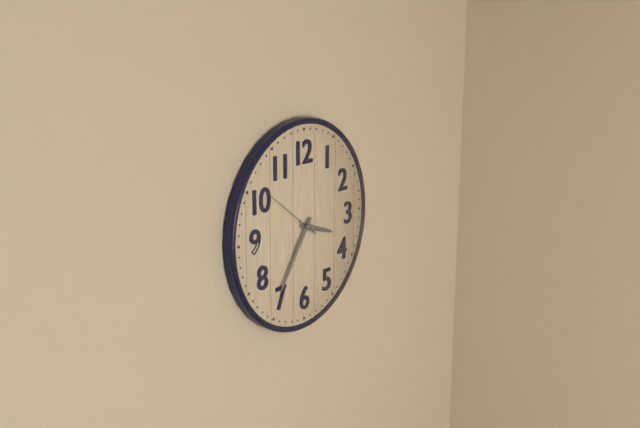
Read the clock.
3:36:51
